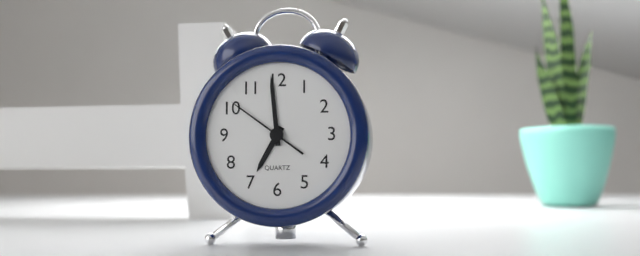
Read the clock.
6:59:51
